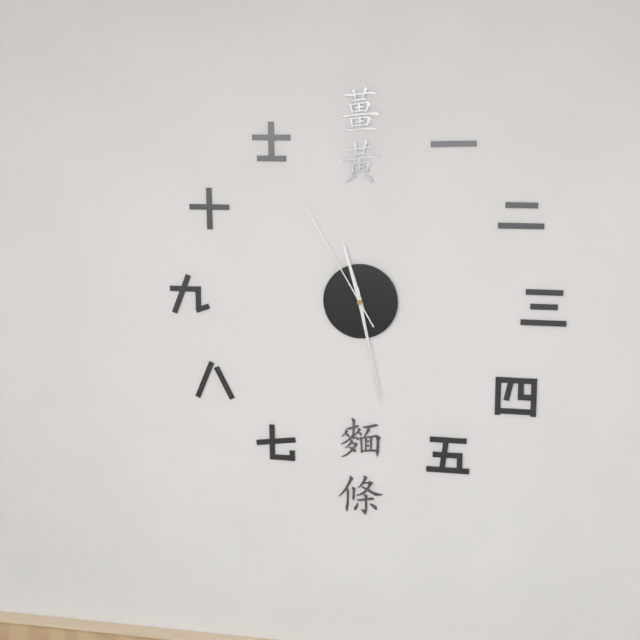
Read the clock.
11:28:55
